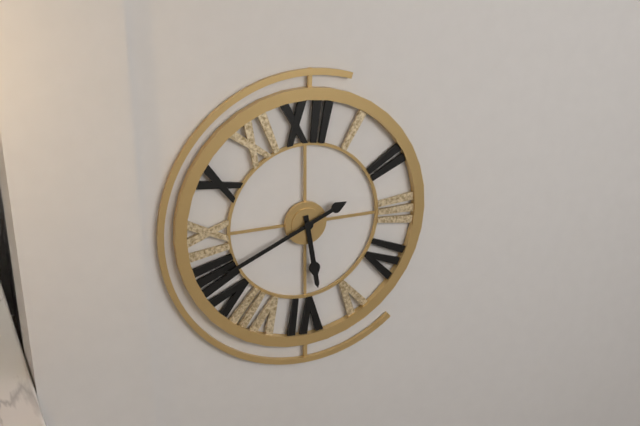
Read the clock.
5:41
